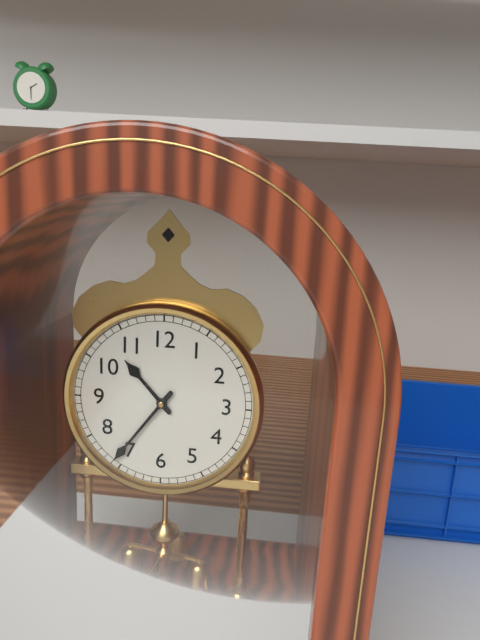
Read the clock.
10:36
